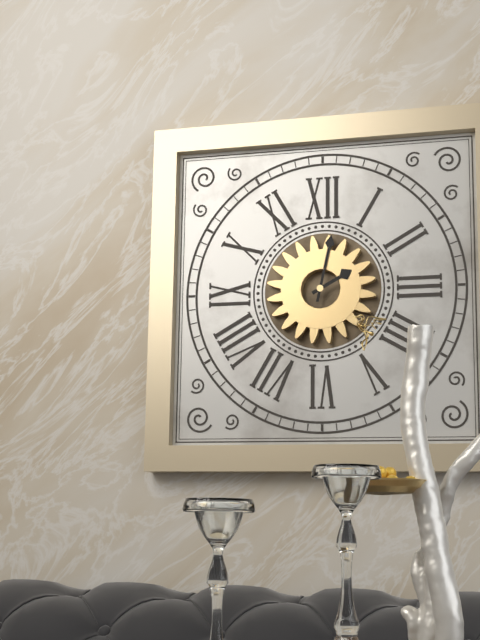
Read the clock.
2:02
